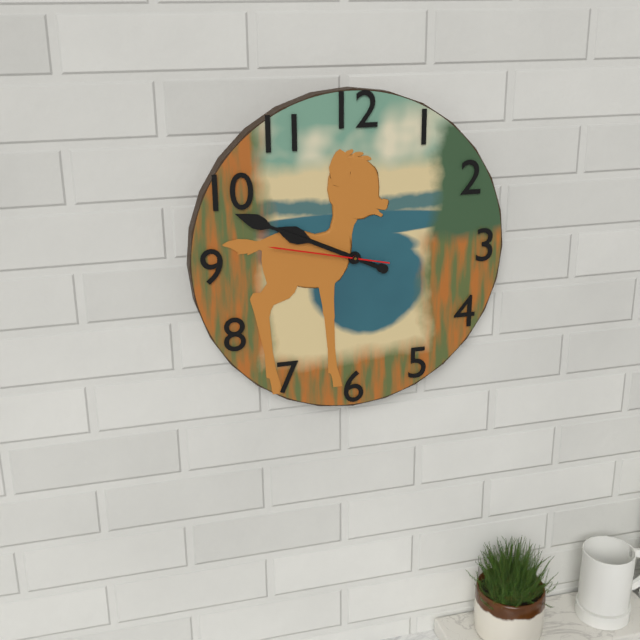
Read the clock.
9:49:47
